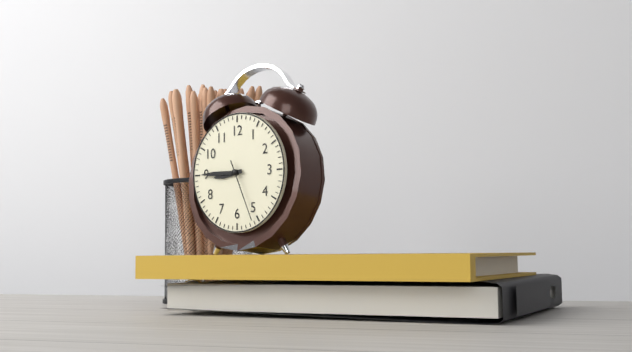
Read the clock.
8:45:26
